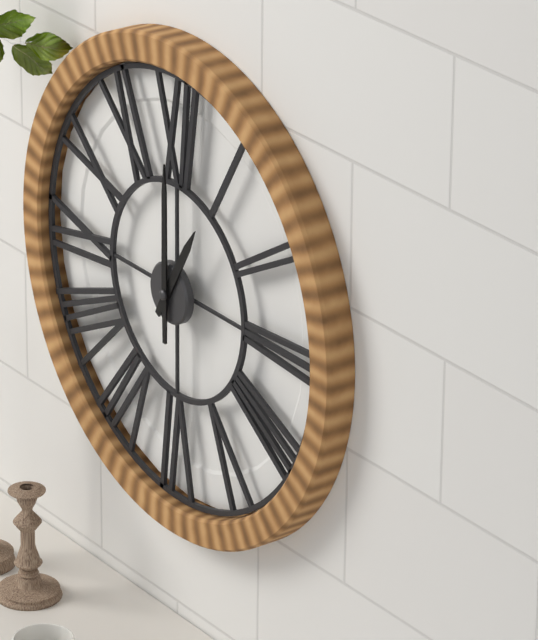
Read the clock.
1:00
